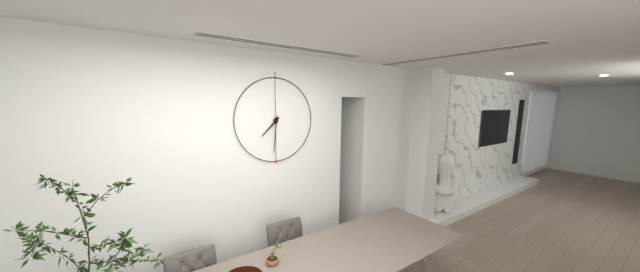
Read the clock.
7:31
